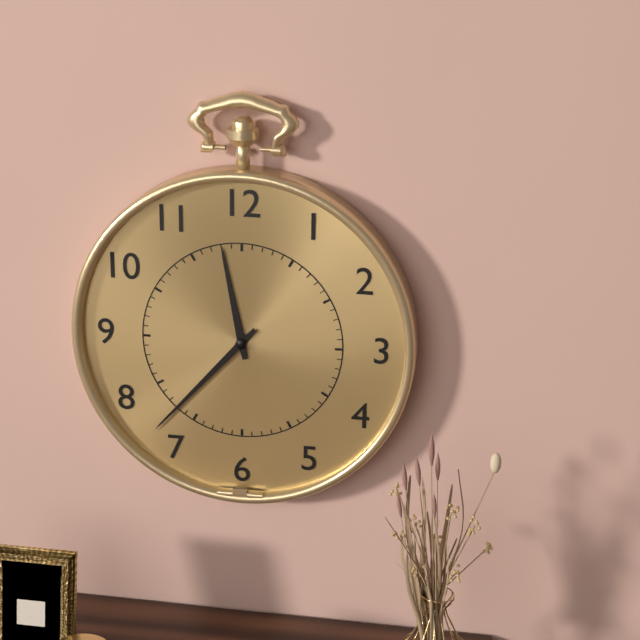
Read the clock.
11:37
